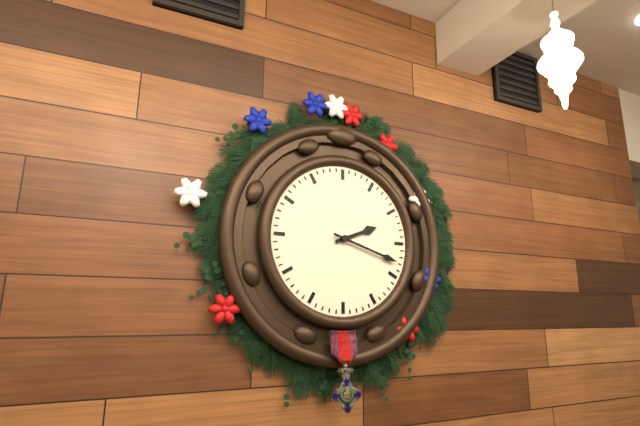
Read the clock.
2:18
